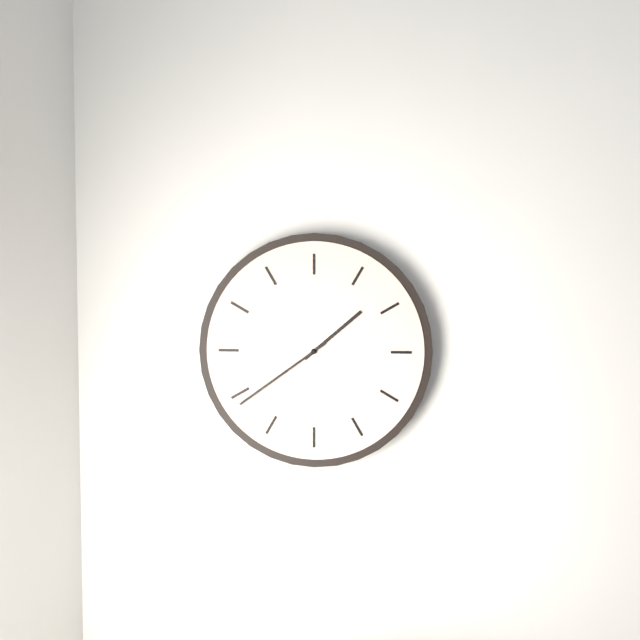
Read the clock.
1:39
